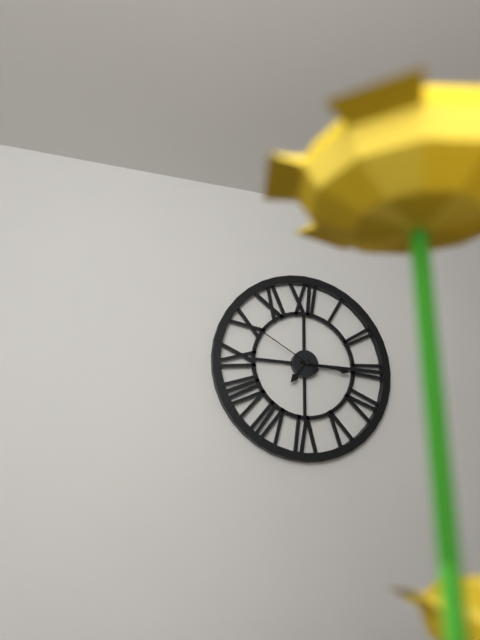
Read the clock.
7:16:50
